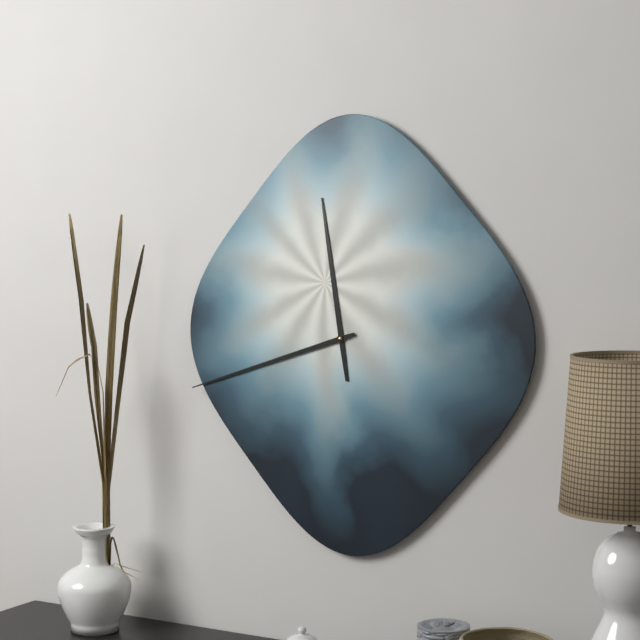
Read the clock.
11:42
